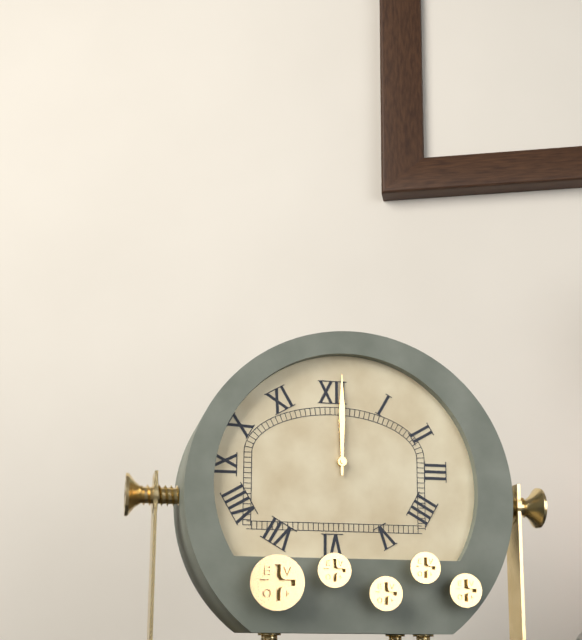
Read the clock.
12:00
